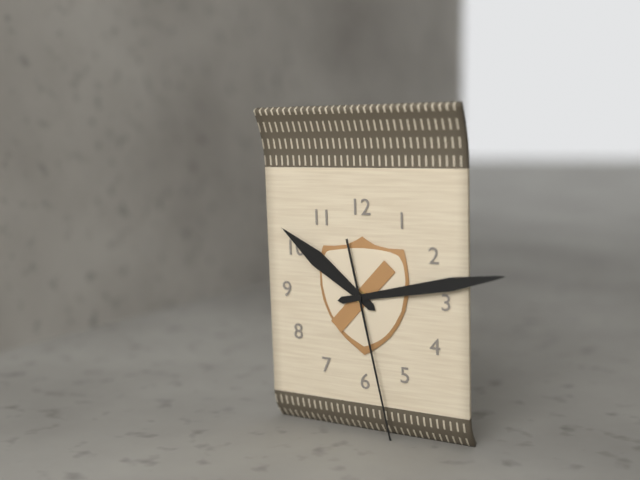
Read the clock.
10:13:28
